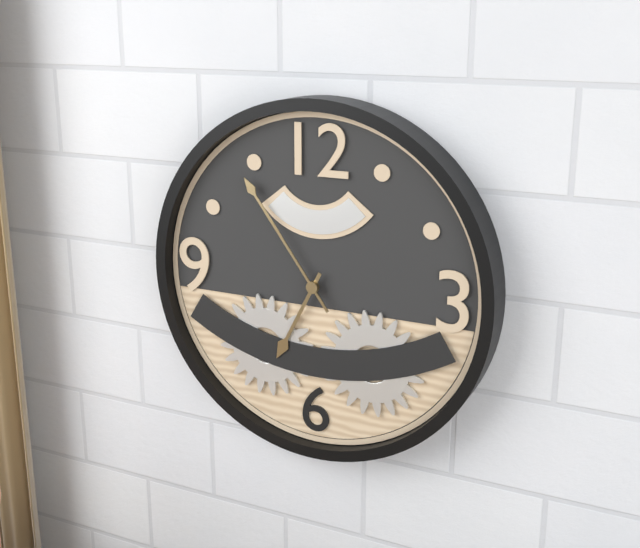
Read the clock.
6:54
